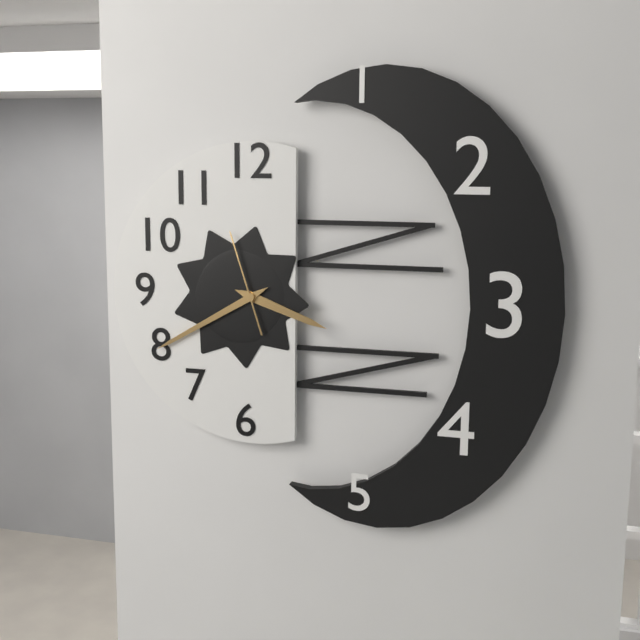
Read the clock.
3:40:57
